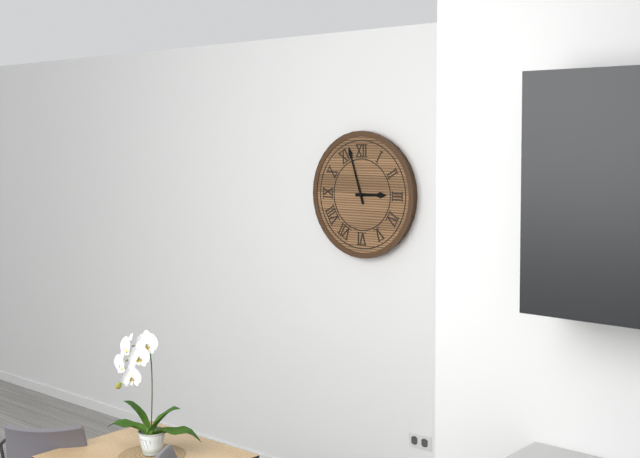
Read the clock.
2:57
